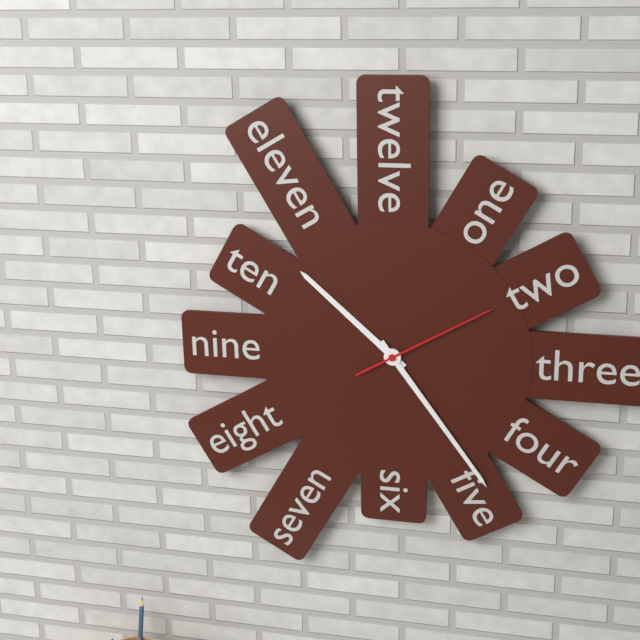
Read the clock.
10:24:10
